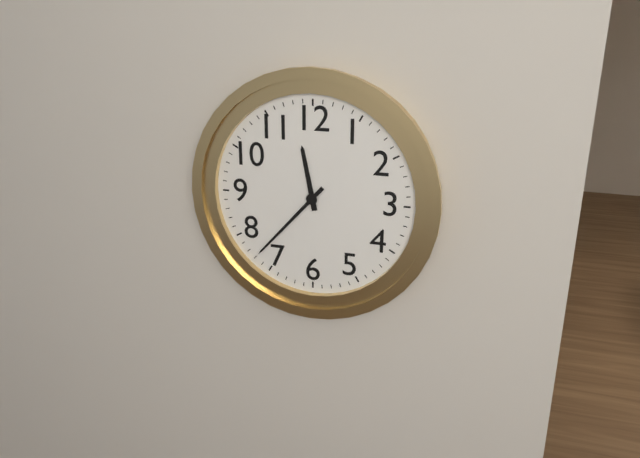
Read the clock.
11:37
